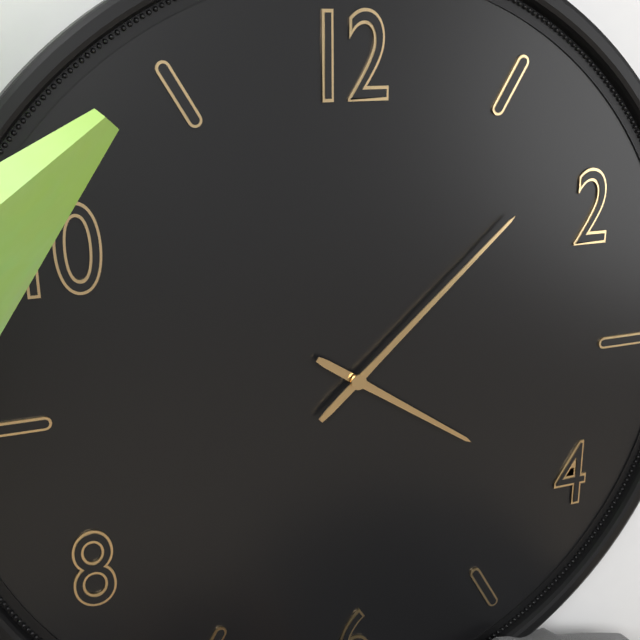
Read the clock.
4:08
